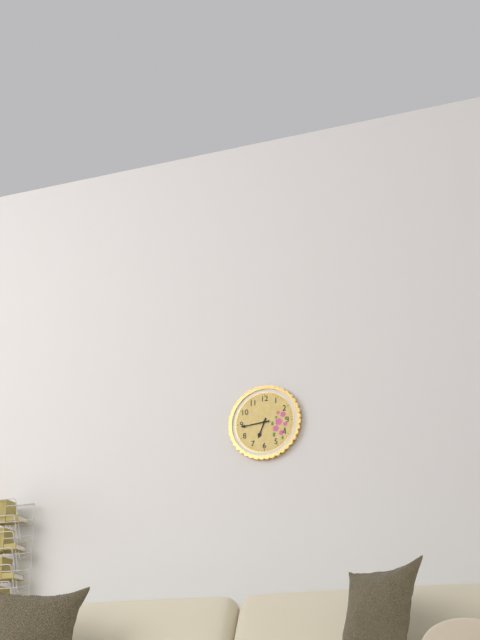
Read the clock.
6:44
